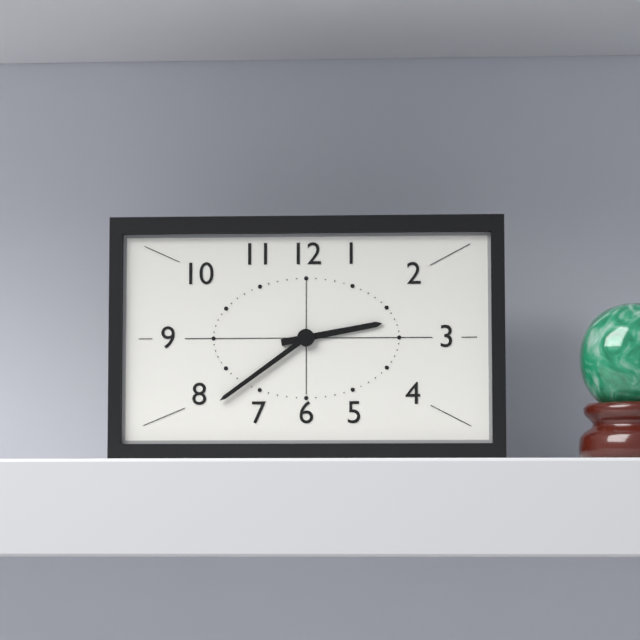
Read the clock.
2:39
